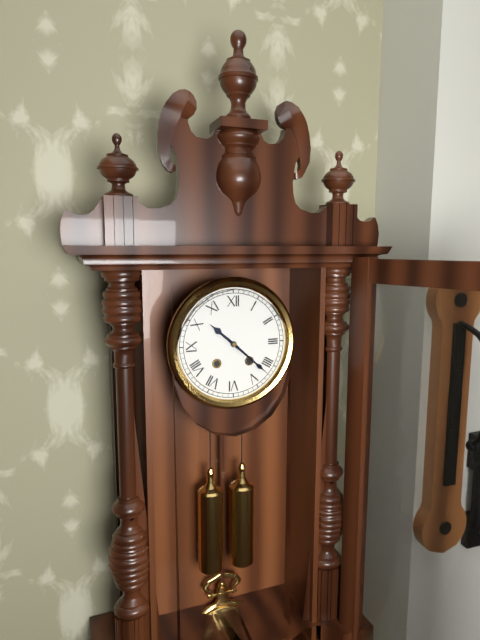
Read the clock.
10:22
